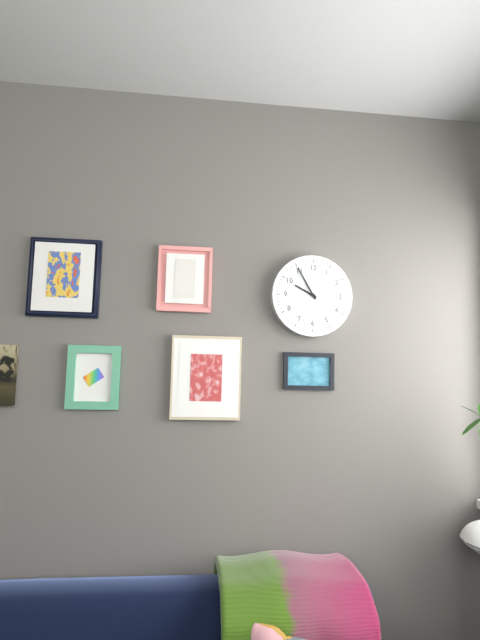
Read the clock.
9:55
